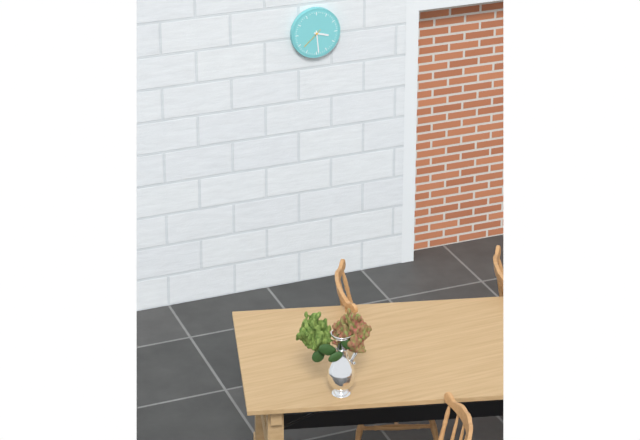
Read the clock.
3:29
